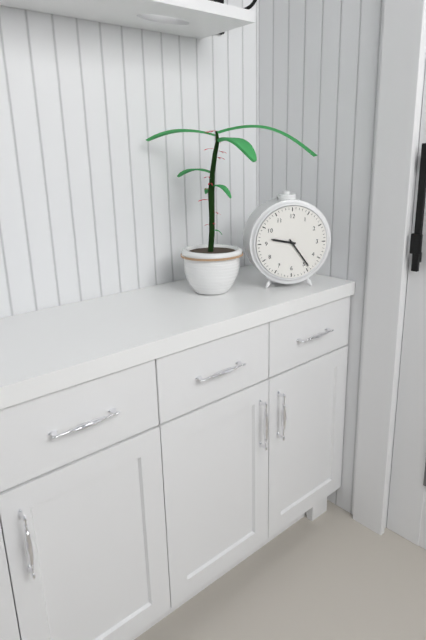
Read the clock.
9:24
